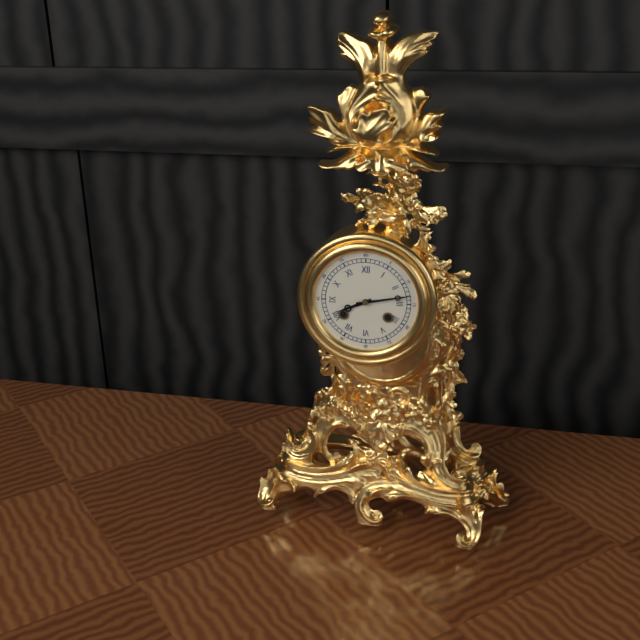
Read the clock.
8:13
